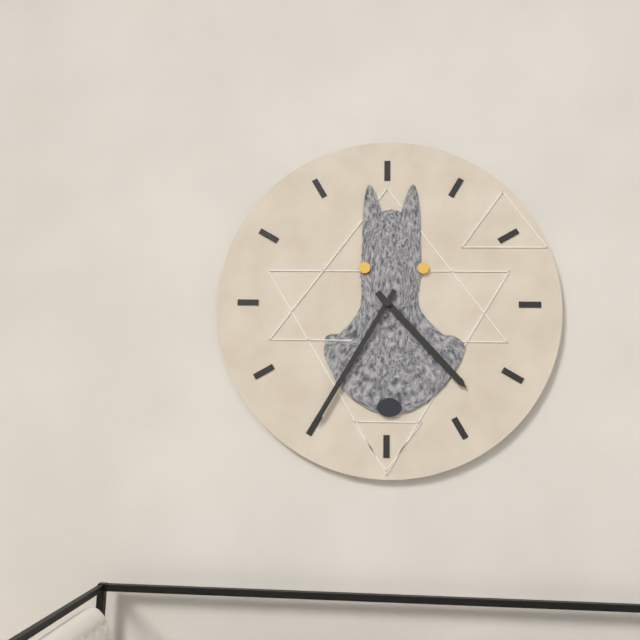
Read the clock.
4:35
